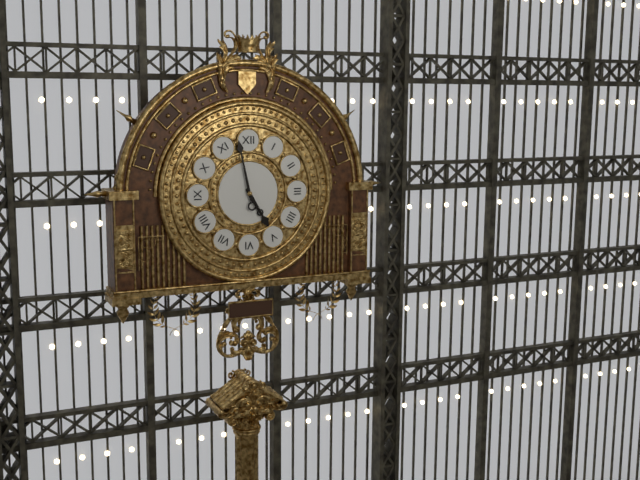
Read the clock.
4:58
